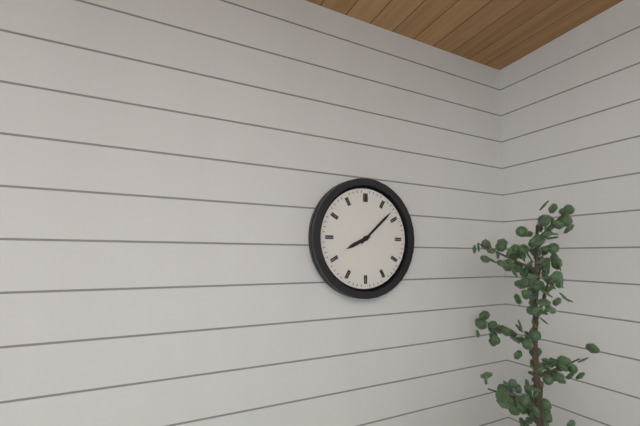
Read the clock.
8:08
